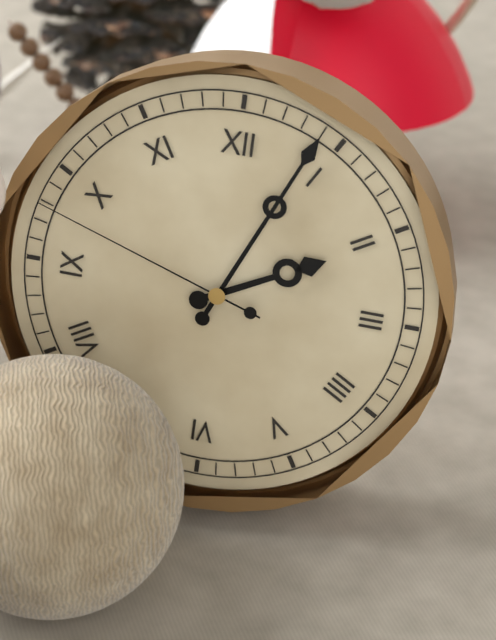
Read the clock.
2:04:48
